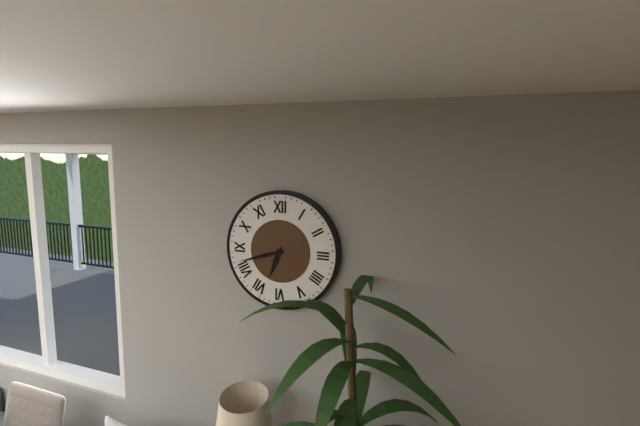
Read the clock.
6:42
